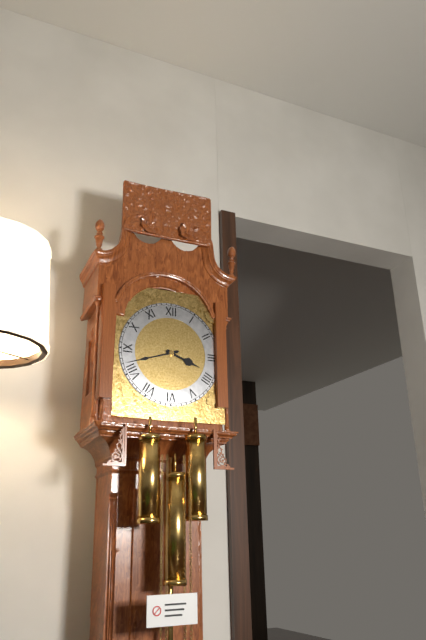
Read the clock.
3:42
